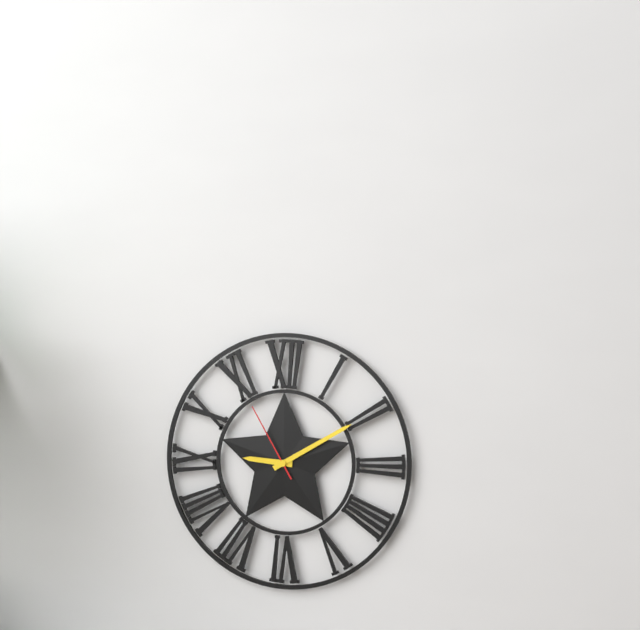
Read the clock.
9:10:55
